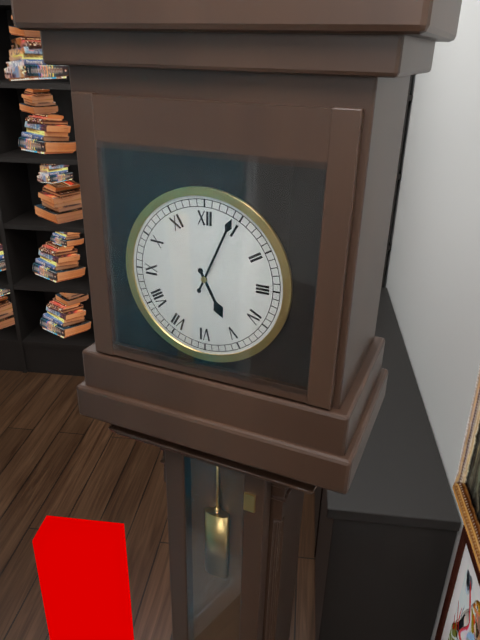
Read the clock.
5:04
